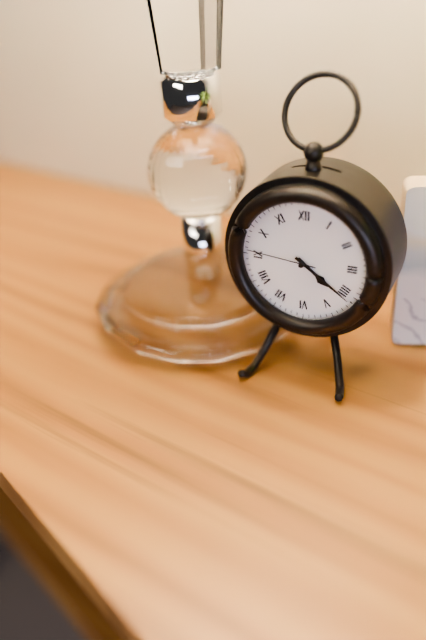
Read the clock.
4:21:46
